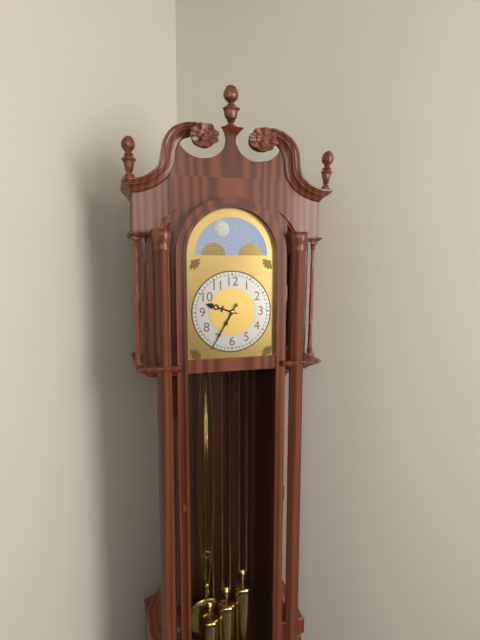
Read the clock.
9:35
